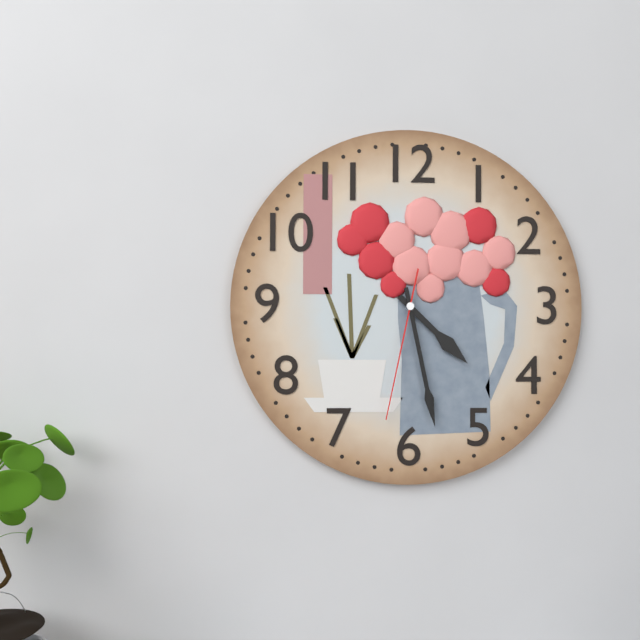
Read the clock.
4:28:32
